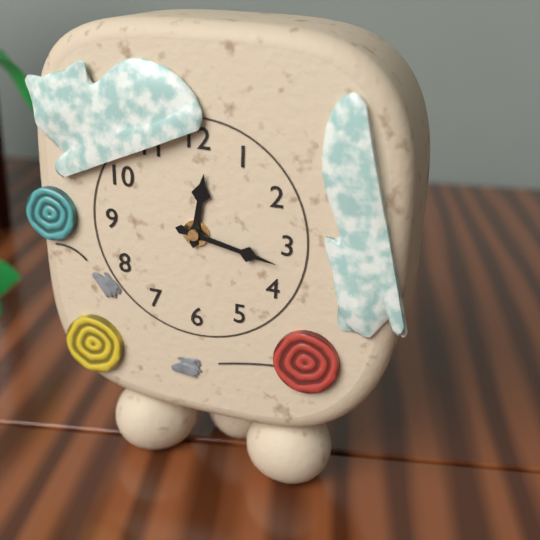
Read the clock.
12:17
